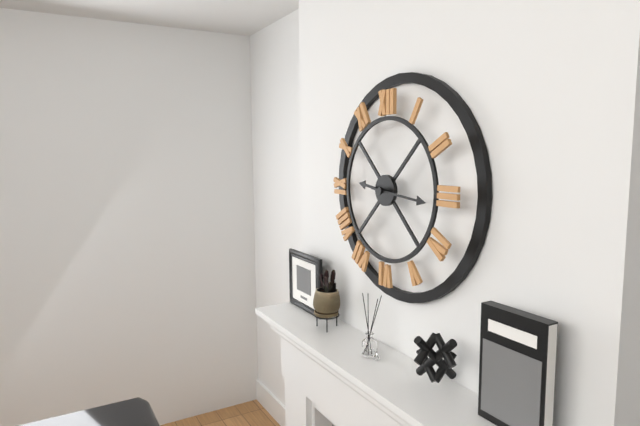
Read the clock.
9:16
